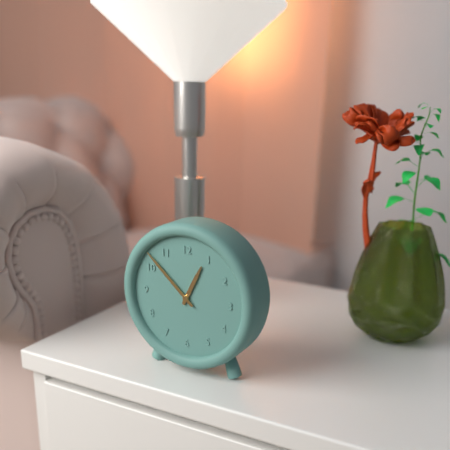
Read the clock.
12:52
